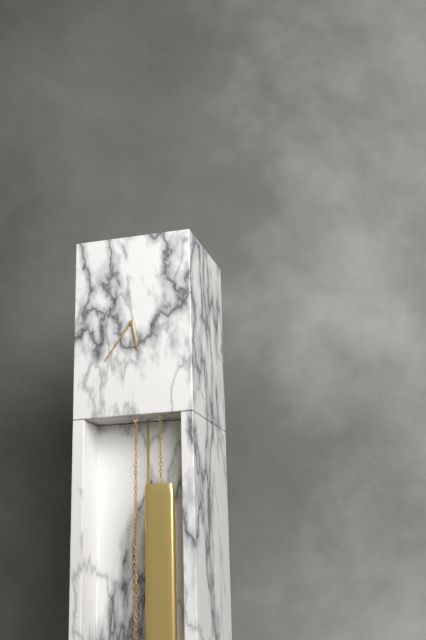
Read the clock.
5:36
